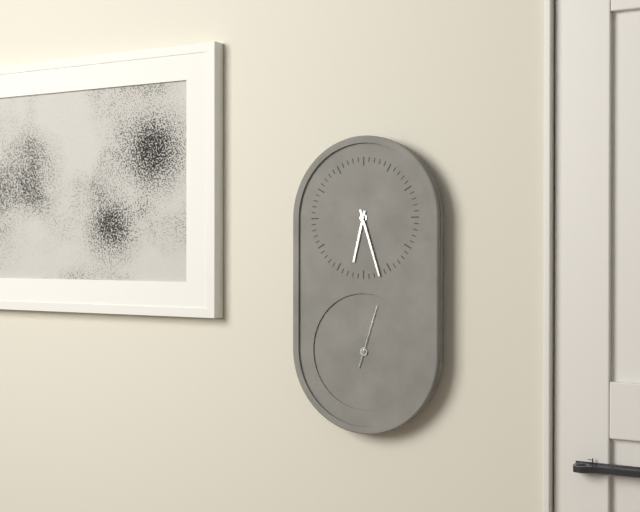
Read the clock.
6:27:03
